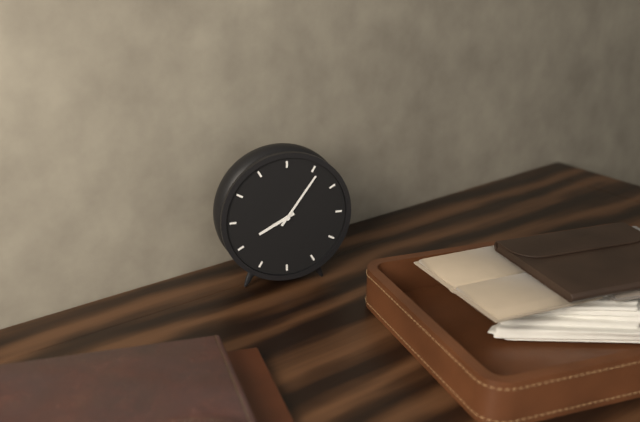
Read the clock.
8:06
